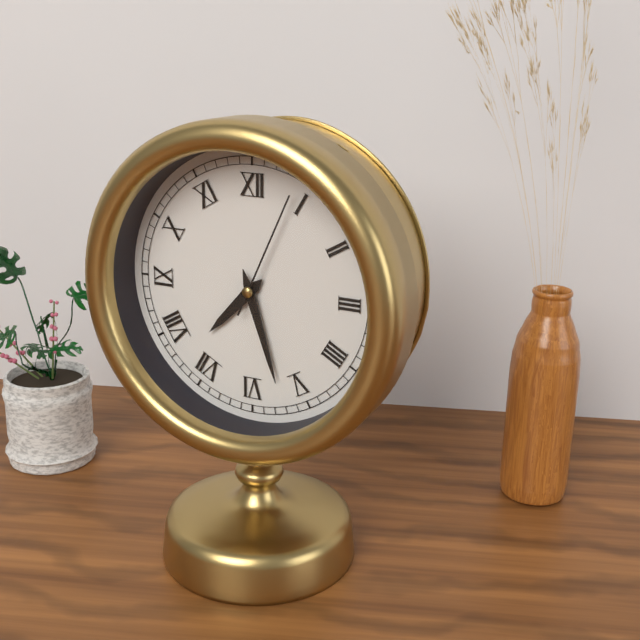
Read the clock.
7:27:04
